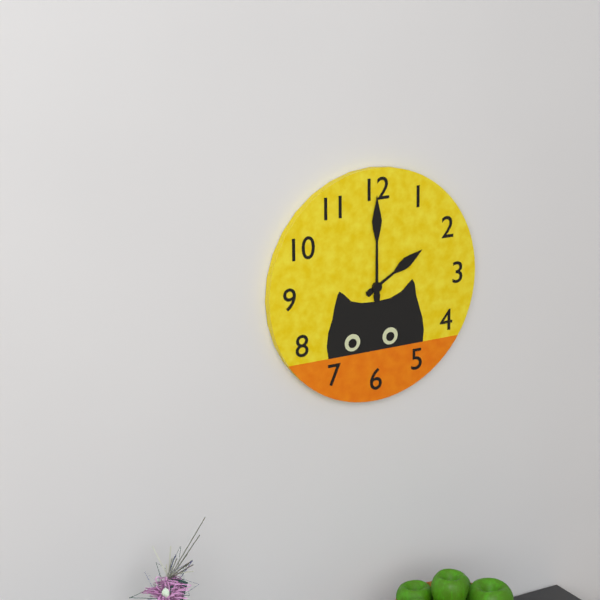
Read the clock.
2:00
